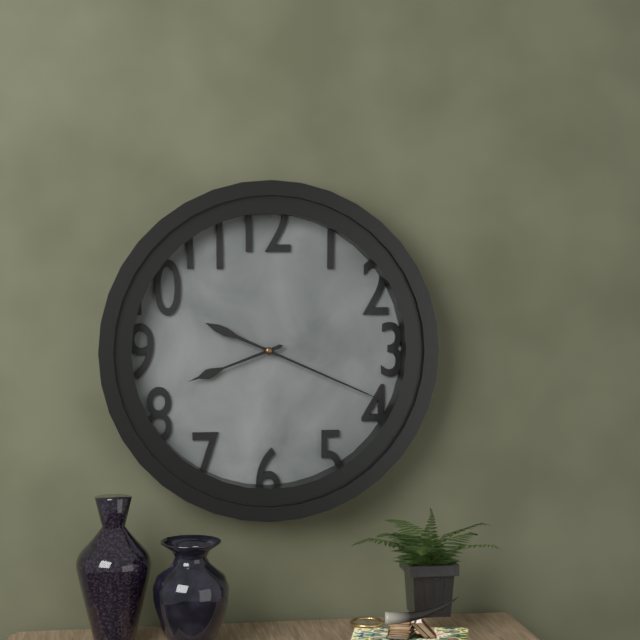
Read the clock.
8:19
